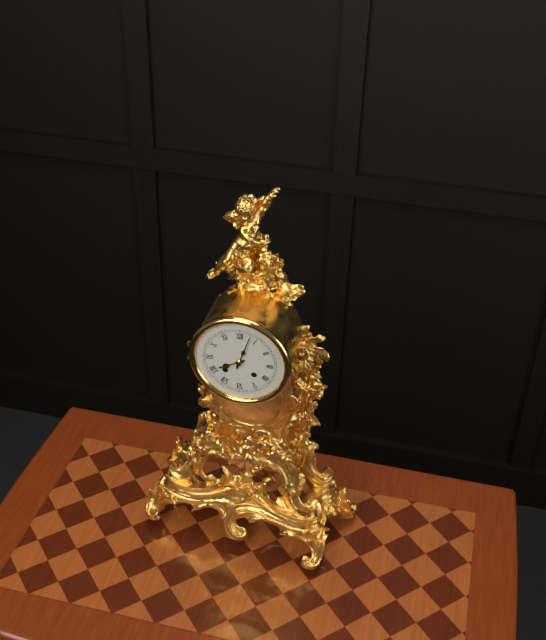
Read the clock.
8:03
